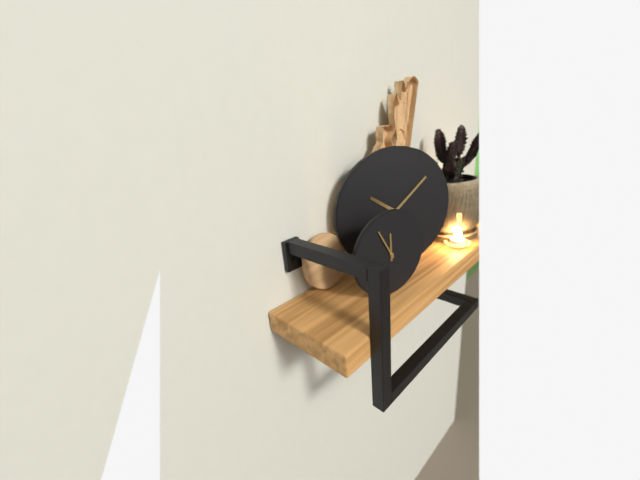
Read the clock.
11:55
